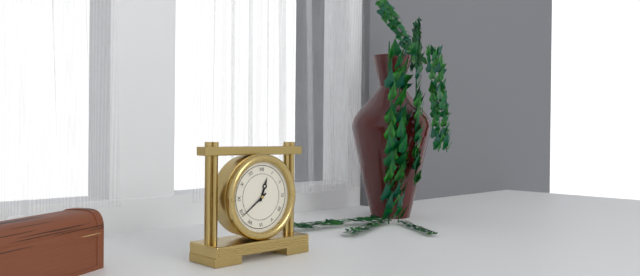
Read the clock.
12:39
